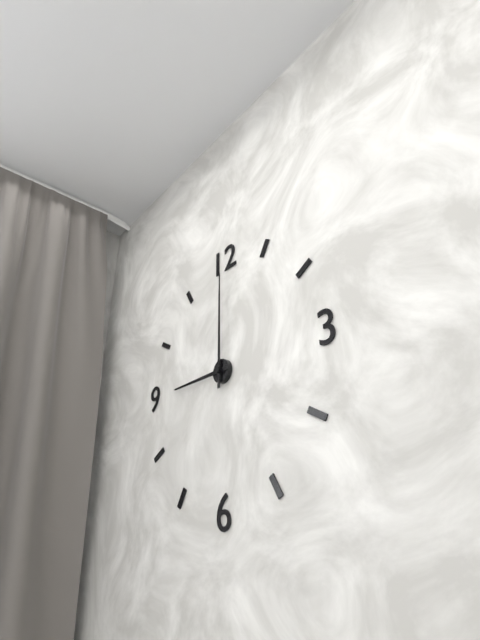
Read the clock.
9:00
